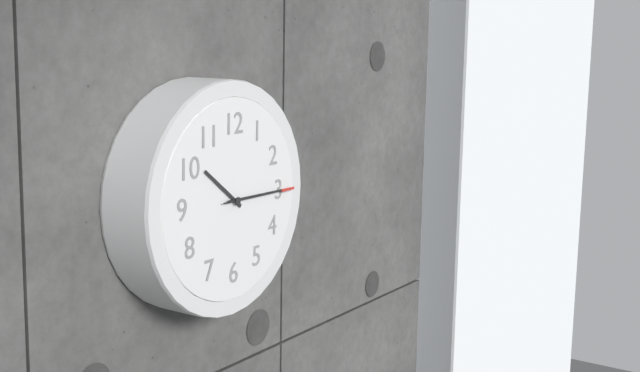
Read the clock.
10:15:15
